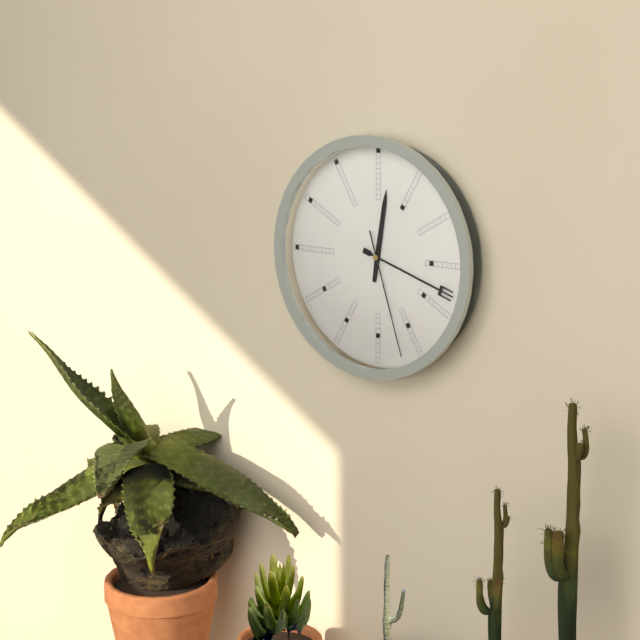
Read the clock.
12:18:27
